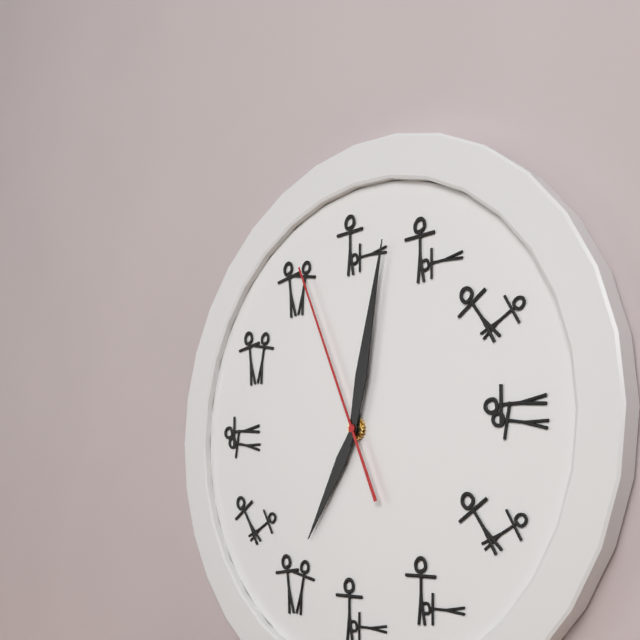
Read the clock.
7:02:56
